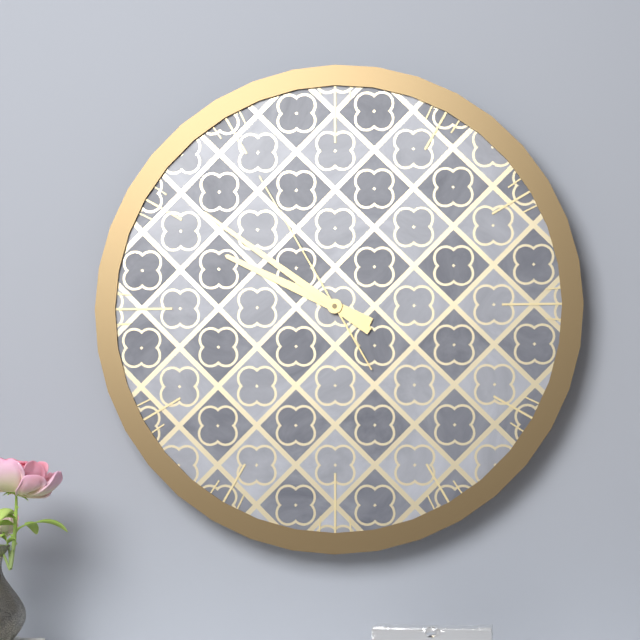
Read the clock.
9:51:55
